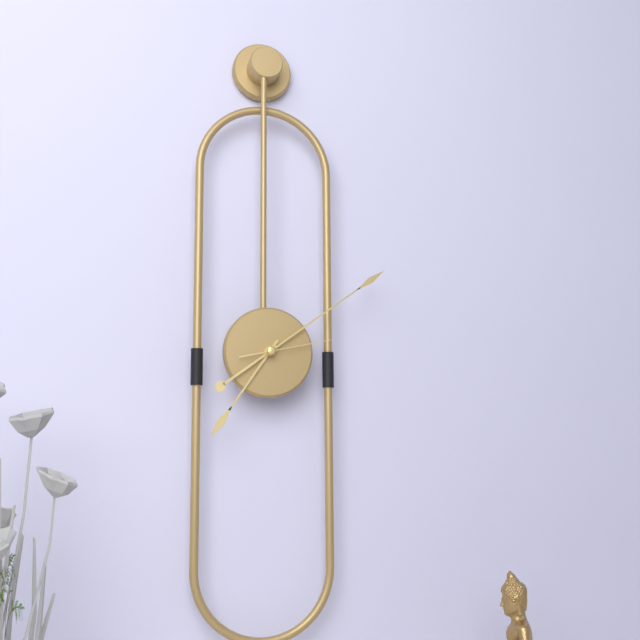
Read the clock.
7:09:13
